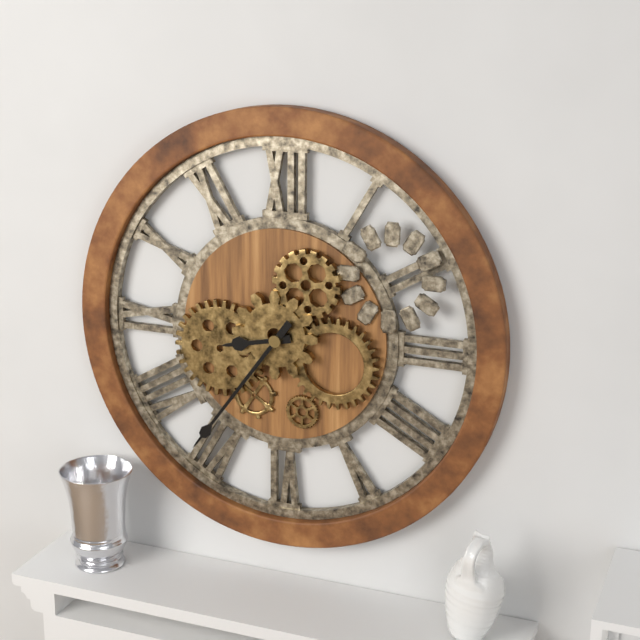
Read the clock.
8:36
